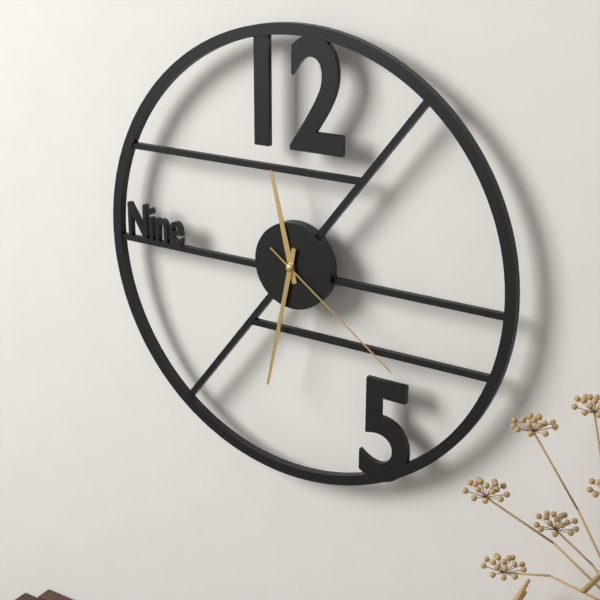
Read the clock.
11:32:21
